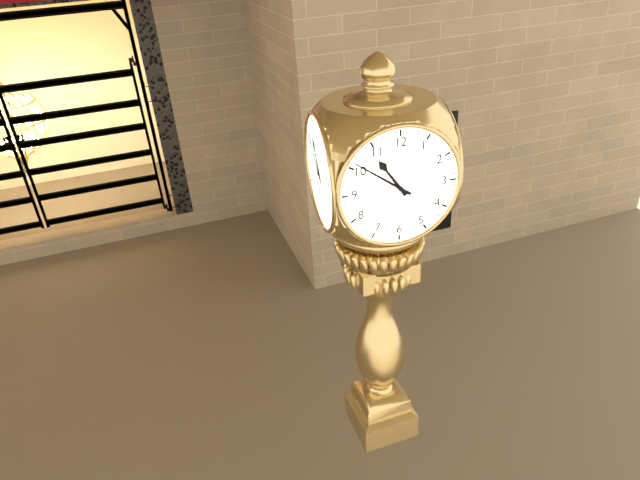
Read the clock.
10:51
